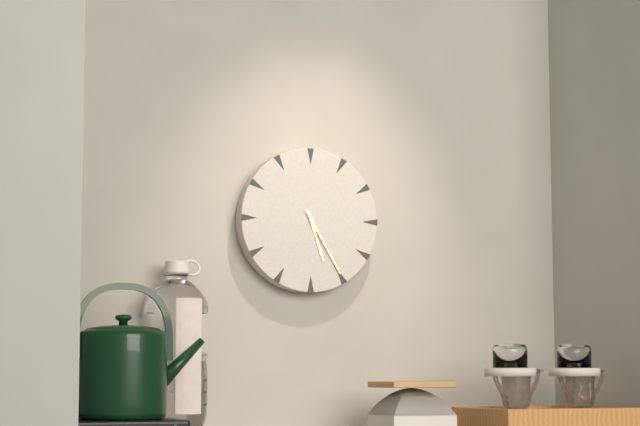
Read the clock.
5:25
